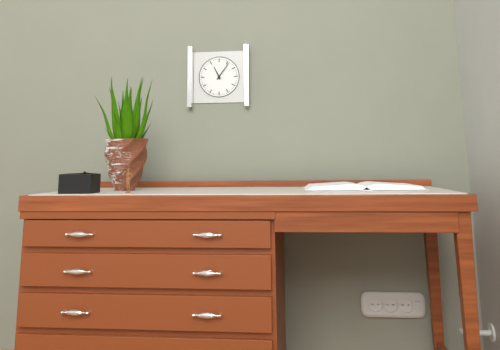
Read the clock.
11:06
